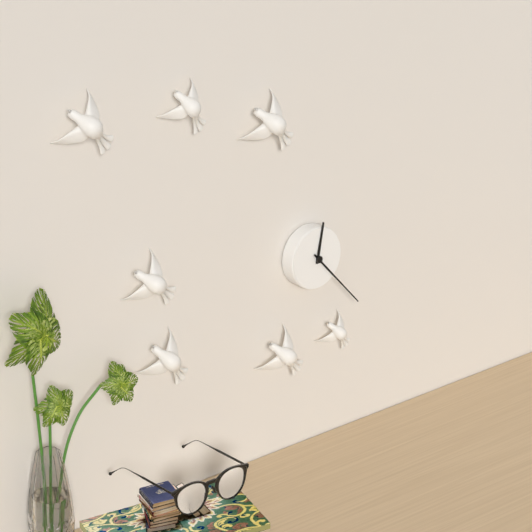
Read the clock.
12:23
